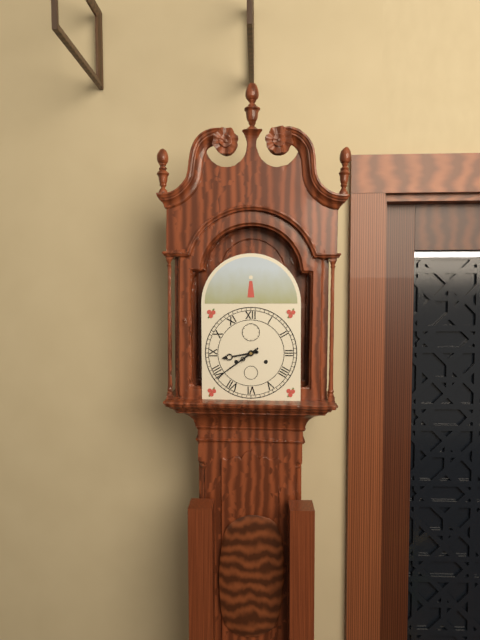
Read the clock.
8:39
